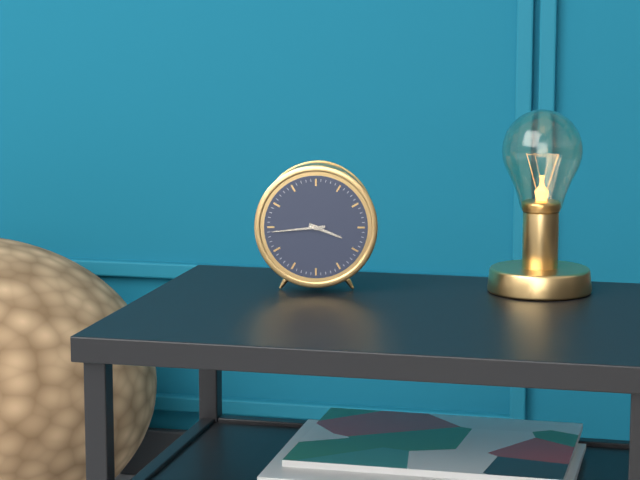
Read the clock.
3:44
